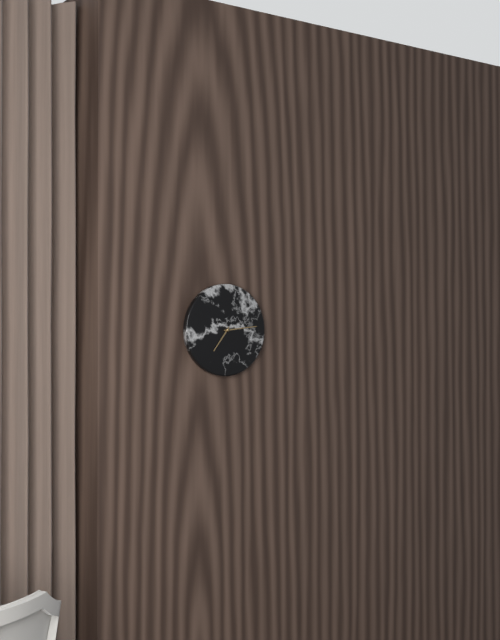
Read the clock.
7:14
